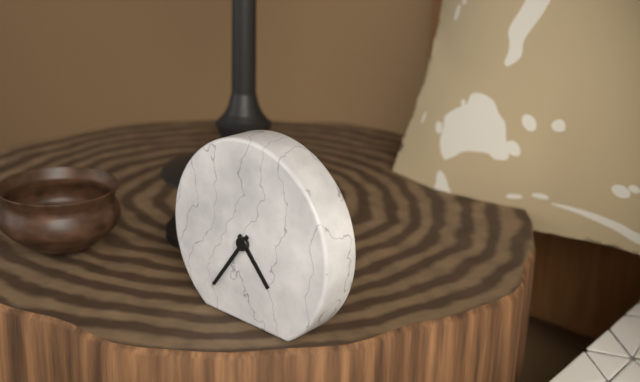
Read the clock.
4:36
